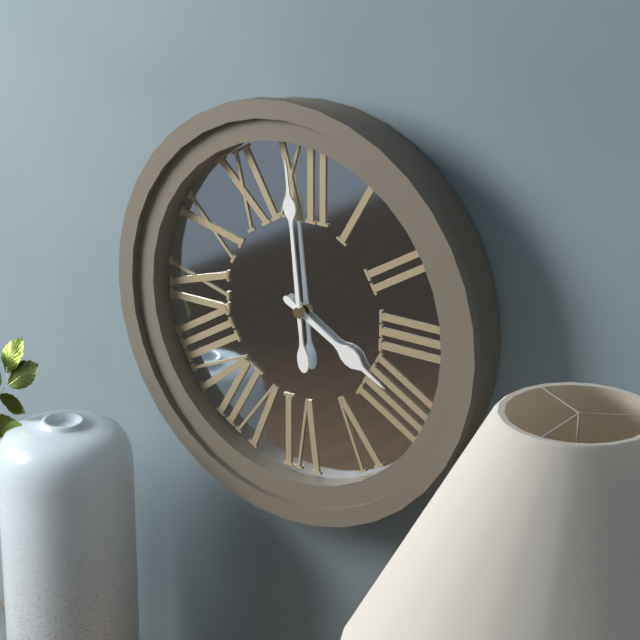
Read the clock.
3:59
